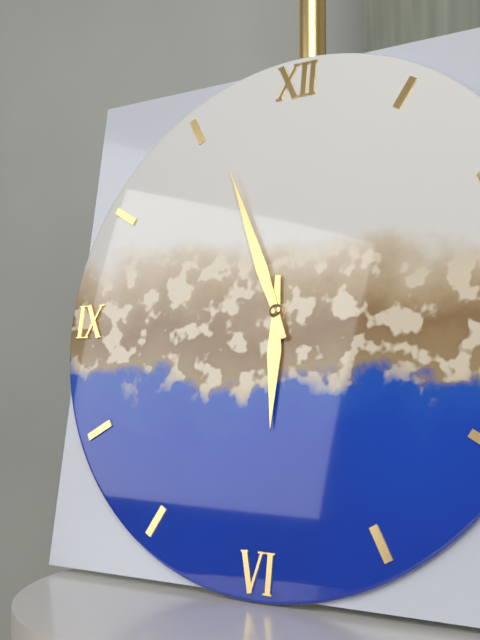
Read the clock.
5:56
